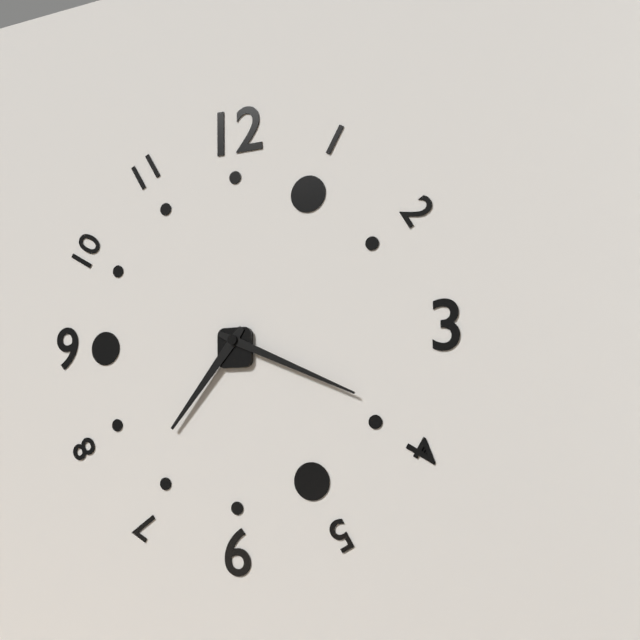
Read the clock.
7:19
